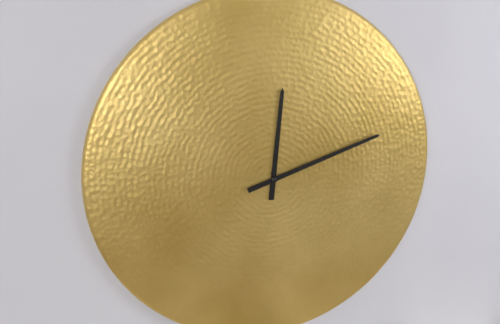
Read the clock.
12:12
